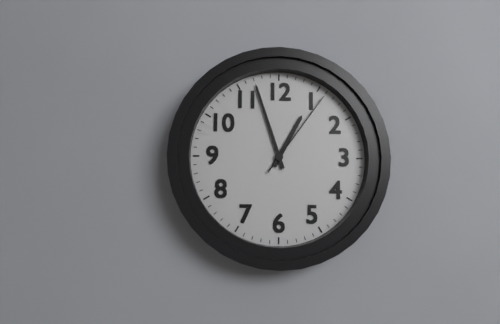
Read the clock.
12:57:06
